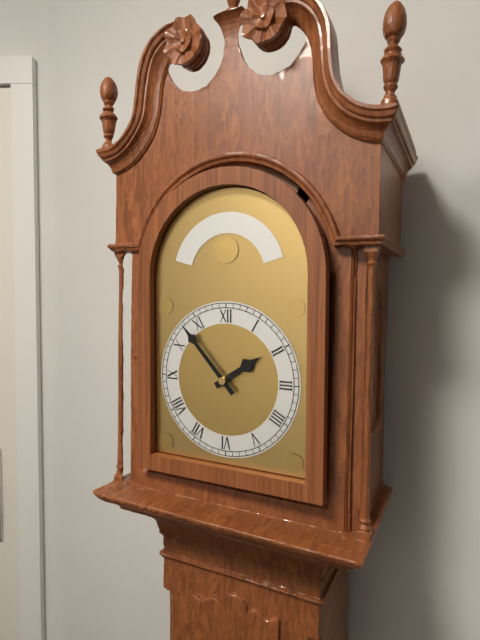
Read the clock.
1:53
